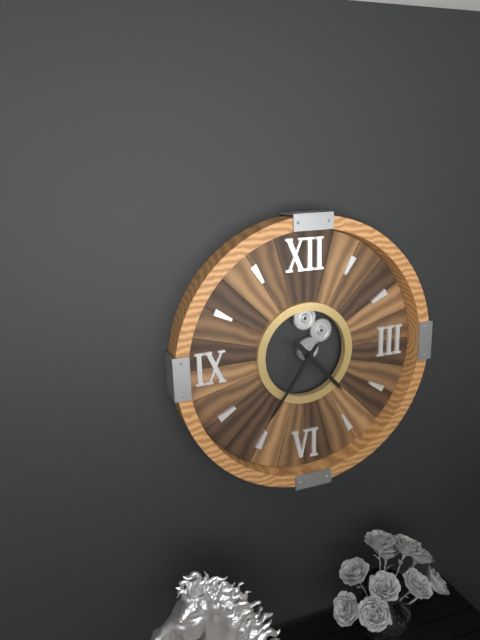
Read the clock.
4:36
